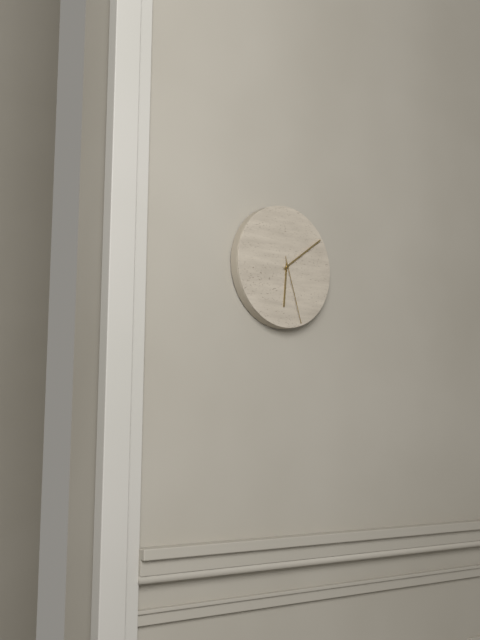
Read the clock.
6:09:27
